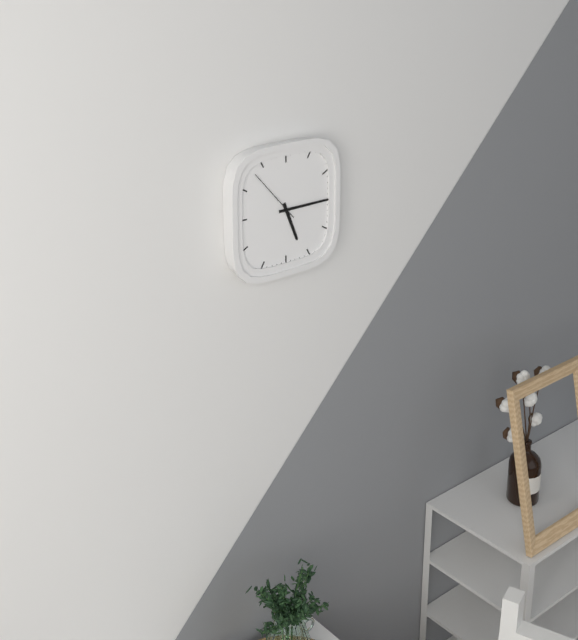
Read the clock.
5:15:53
